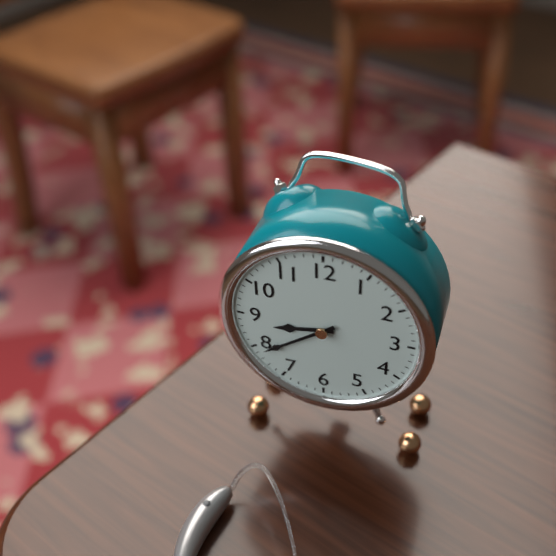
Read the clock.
8:39
